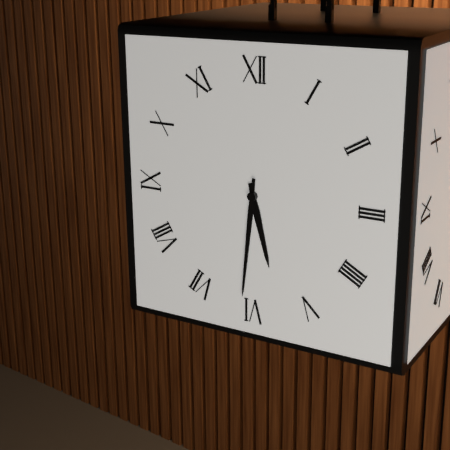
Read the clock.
5:31
